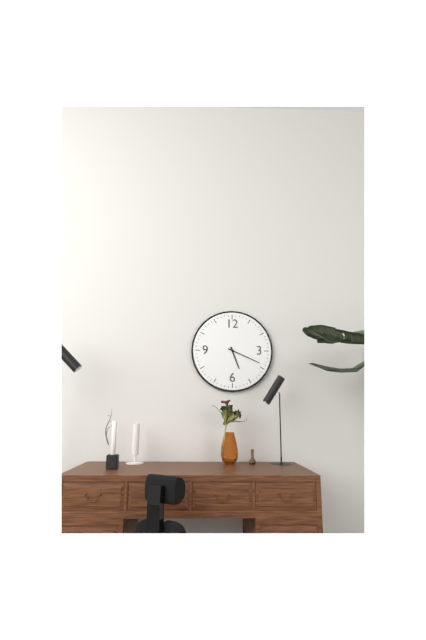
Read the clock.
5:19
